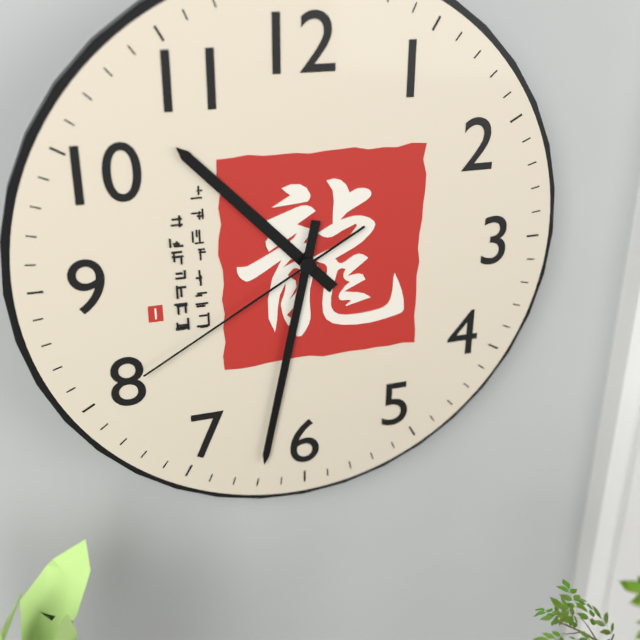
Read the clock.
10:32:40
